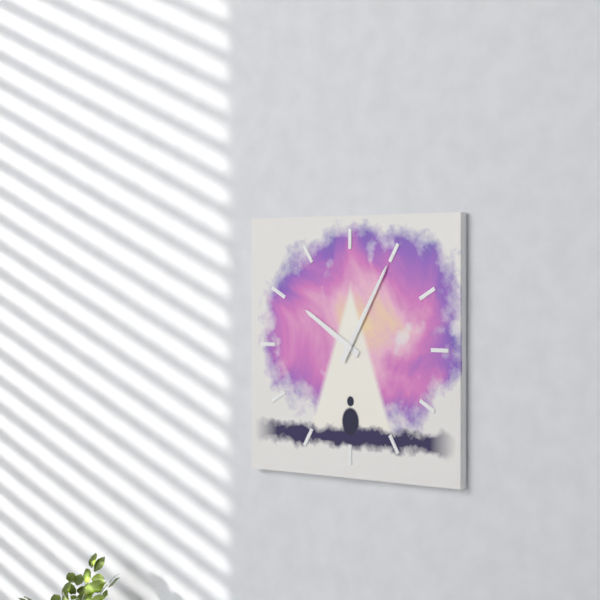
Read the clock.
10:05
